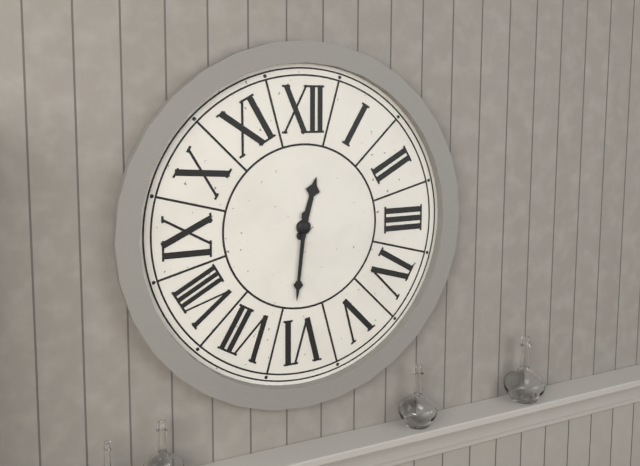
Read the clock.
12:31
